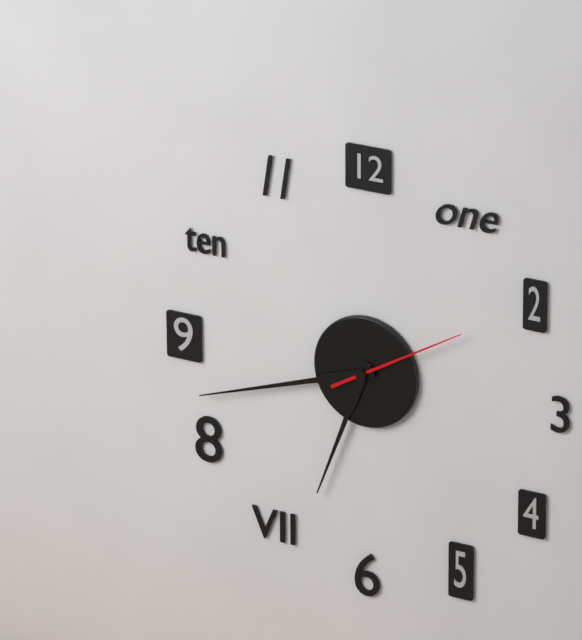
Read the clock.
6:42:10
